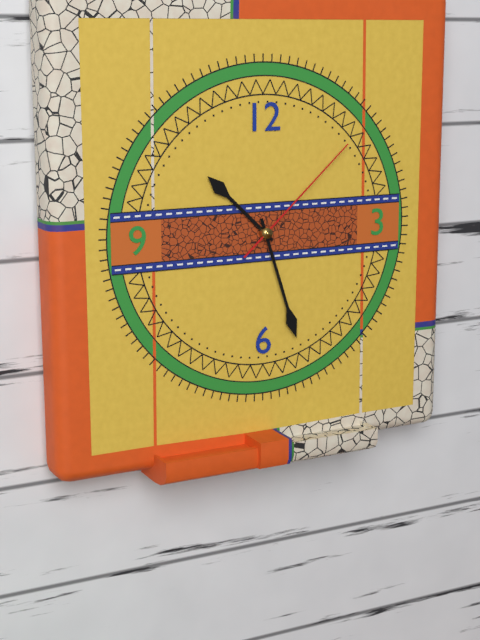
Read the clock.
10:27:08
